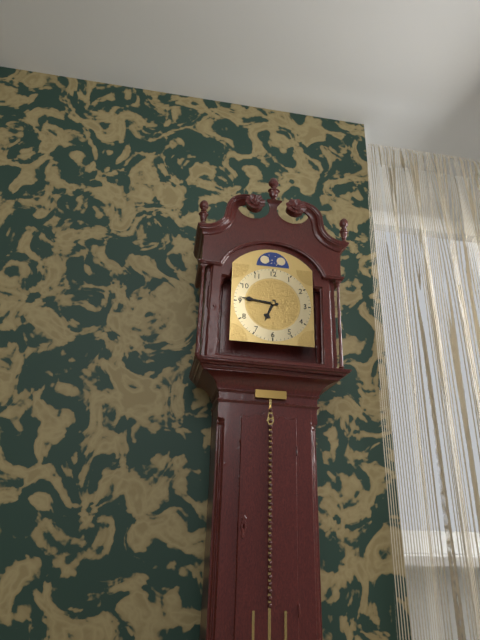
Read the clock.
6:46
